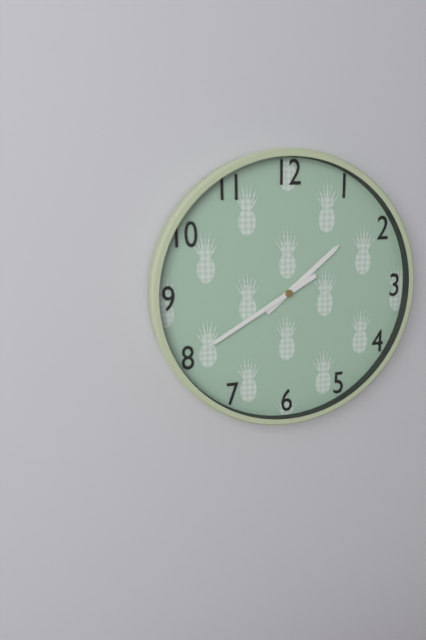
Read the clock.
1:40
